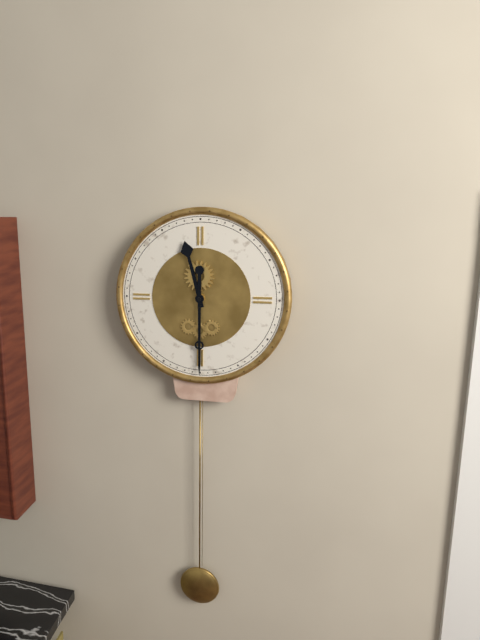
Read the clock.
11:30
